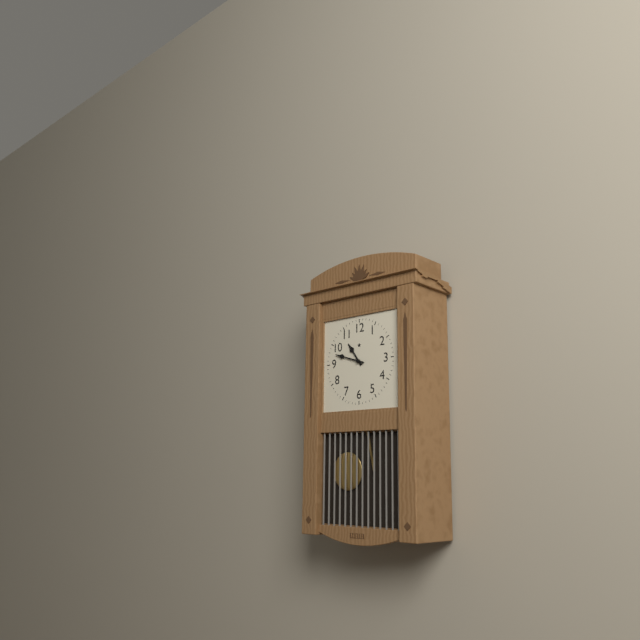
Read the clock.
10:48
